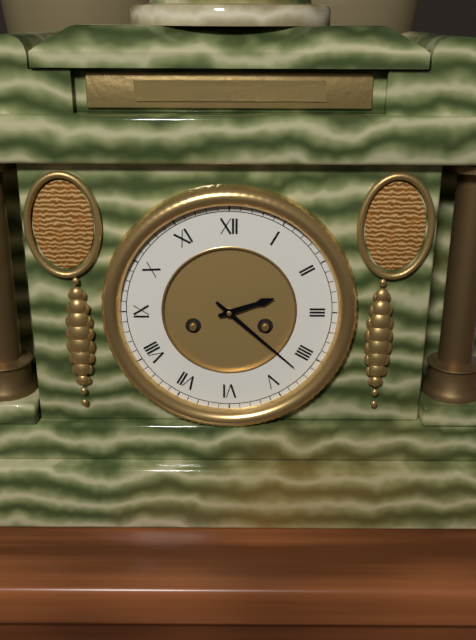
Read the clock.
2:22
